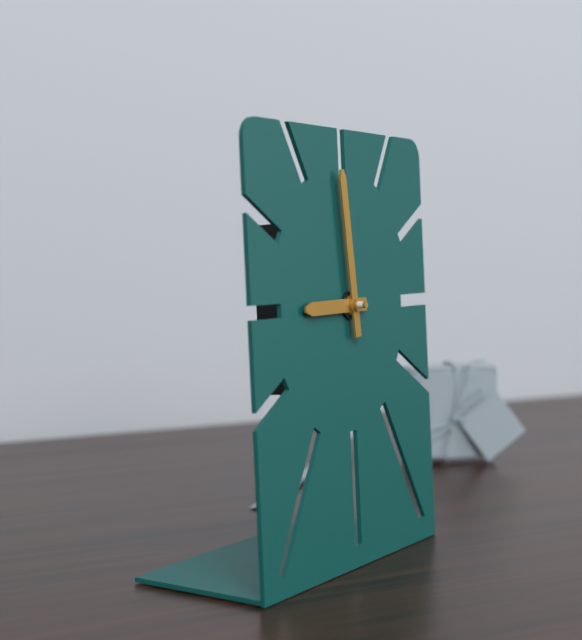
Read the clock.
8:59
